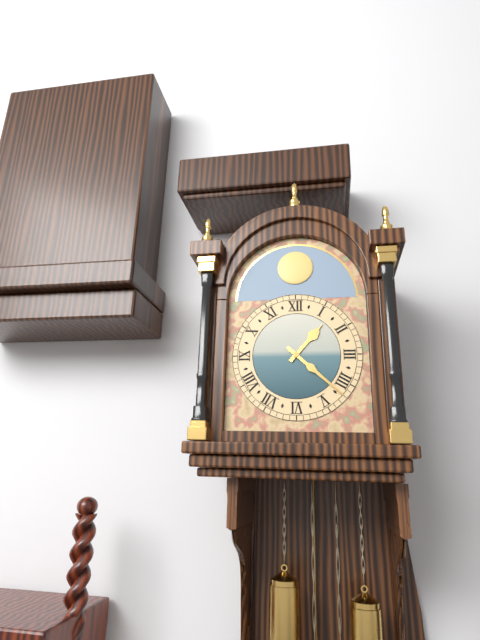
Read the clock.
1:22
